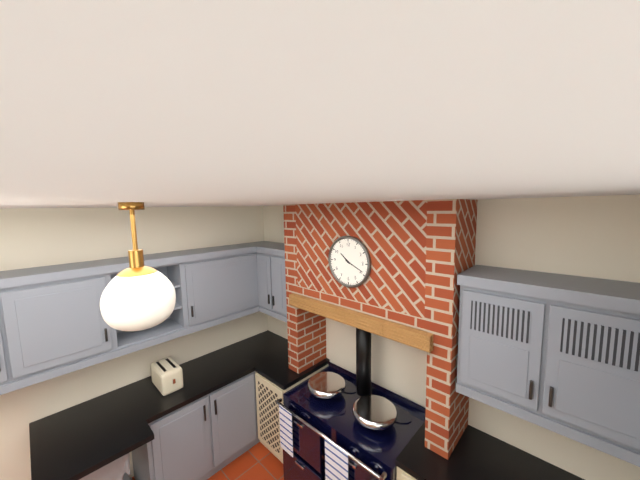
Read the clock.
10:19
